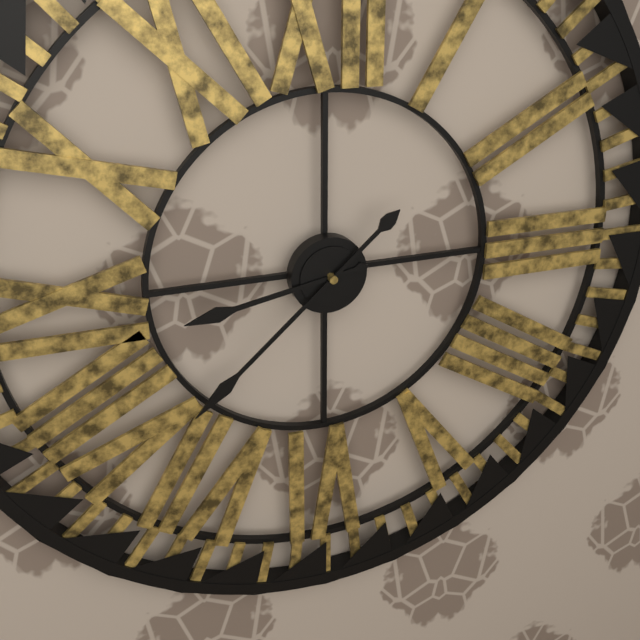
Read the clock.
8:38
